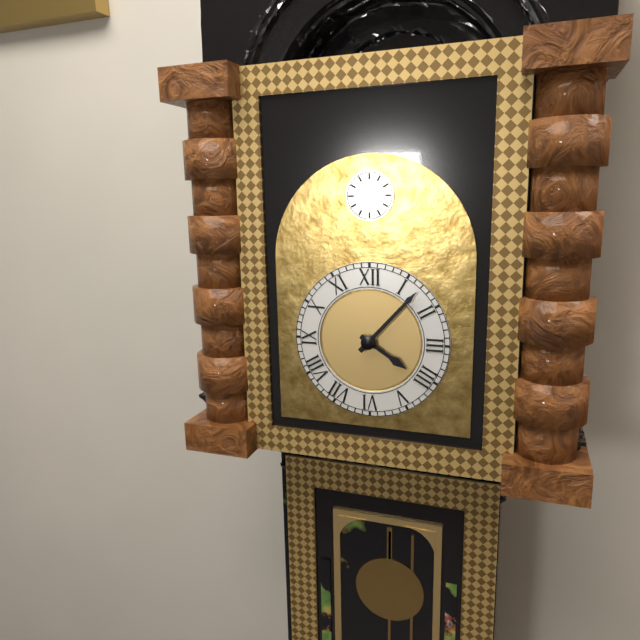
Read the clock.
4:07
